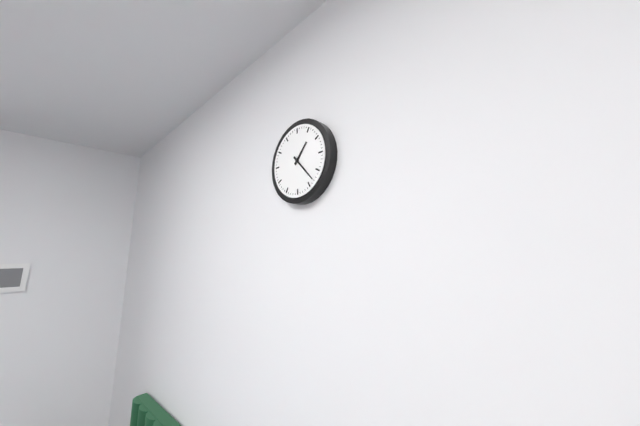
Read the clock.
1:23
